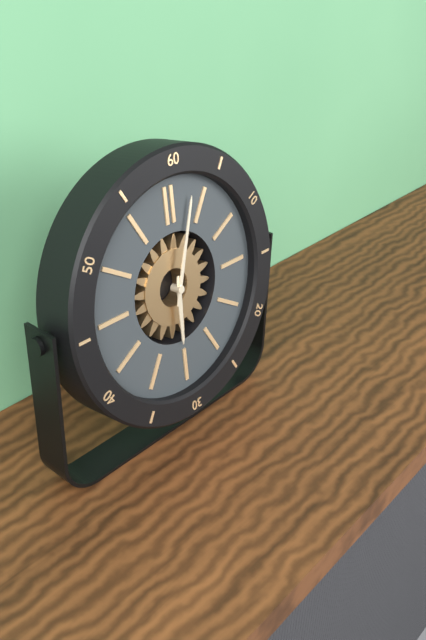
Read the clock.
6:03
